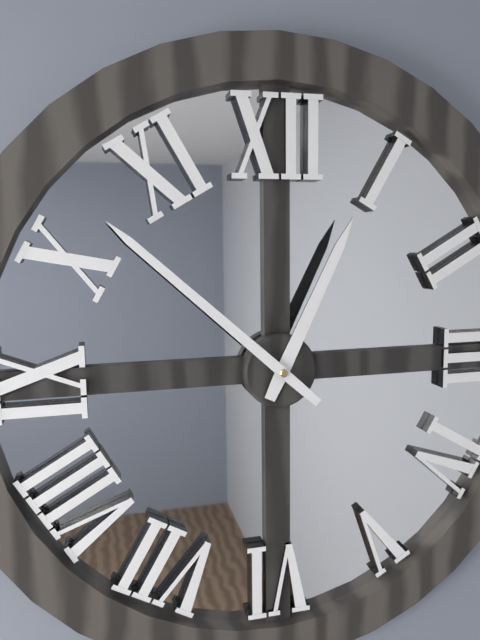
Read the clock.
12:52
